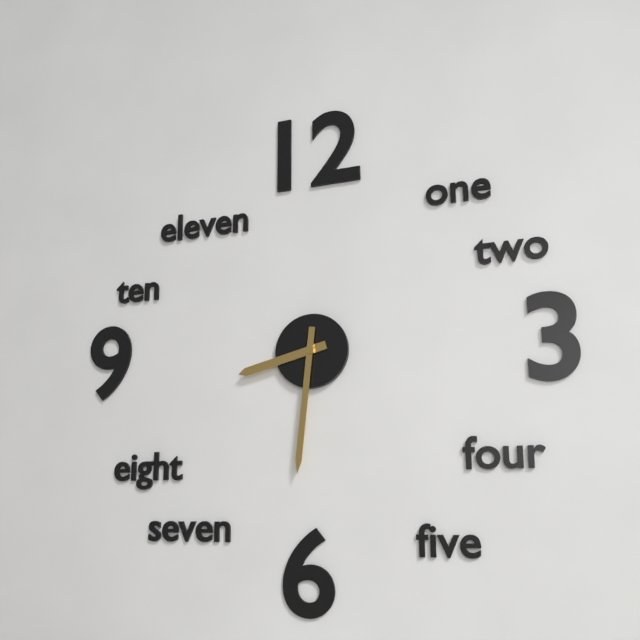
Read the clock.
8:31
